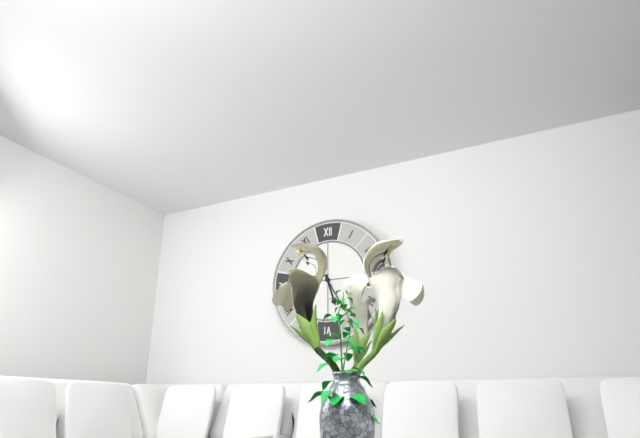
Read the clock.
5:25
